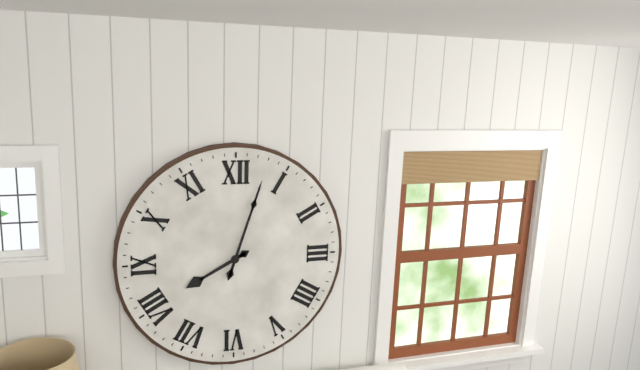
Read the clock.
8:03
